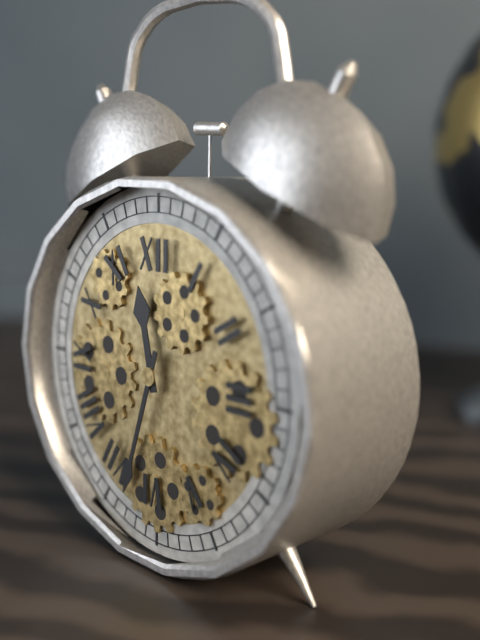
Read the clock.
11:33
